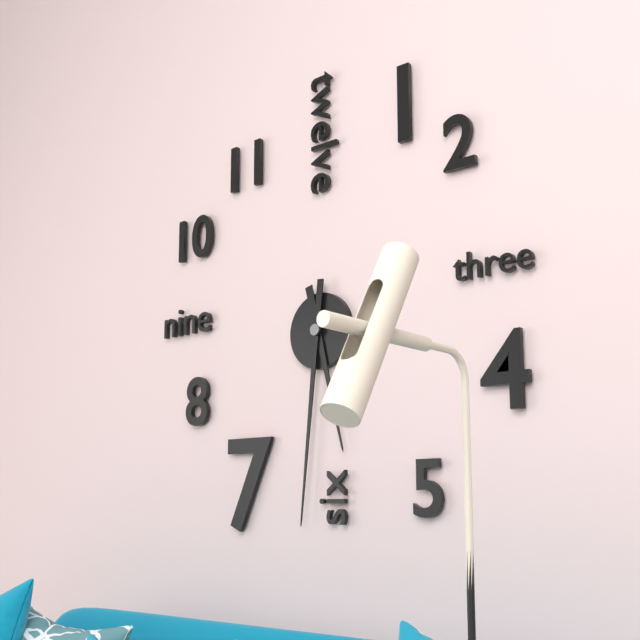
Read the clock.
5:31
